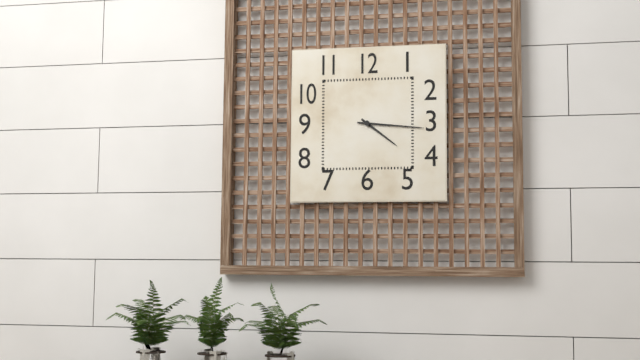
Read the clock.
4:16
